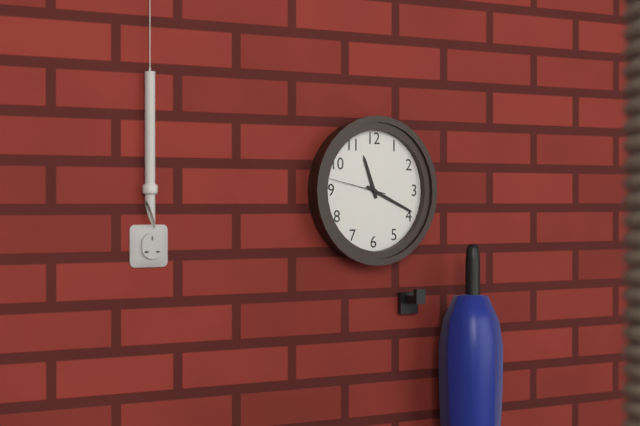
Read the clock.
11:19:47
